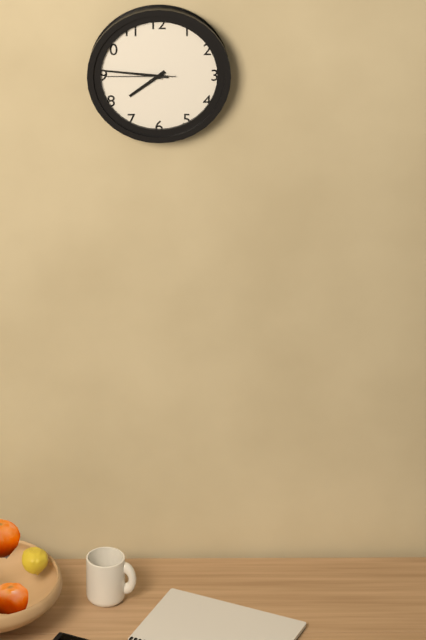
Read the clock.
7:46:45
